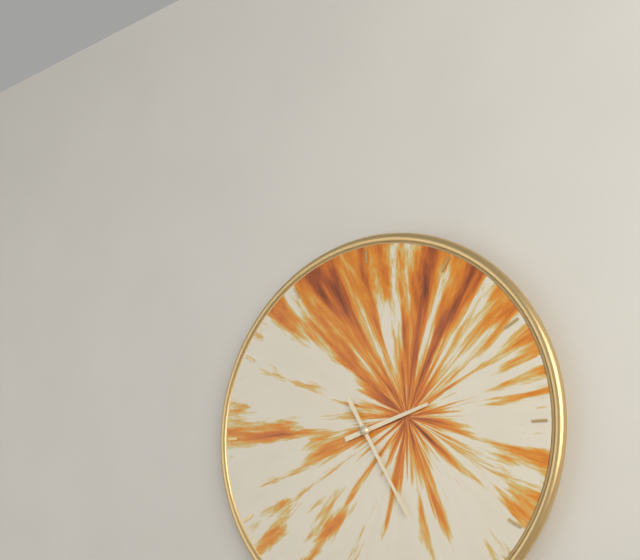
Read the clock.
2:25
